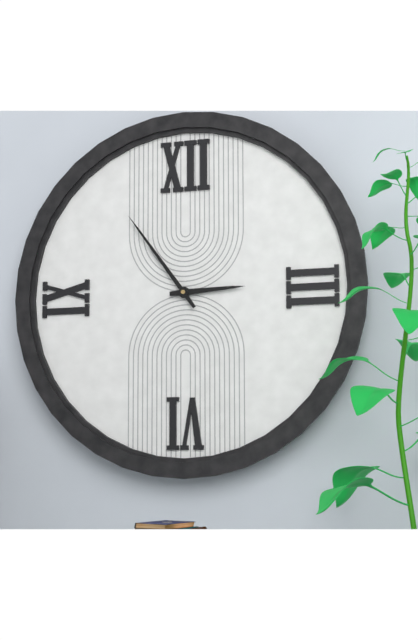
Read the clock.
2:54
